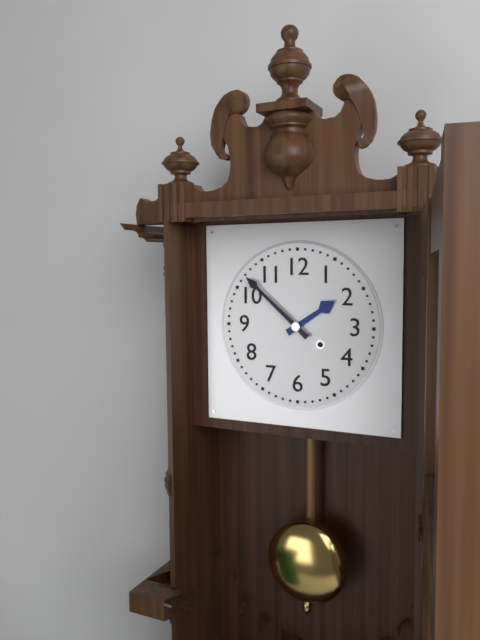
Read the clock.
1:52
